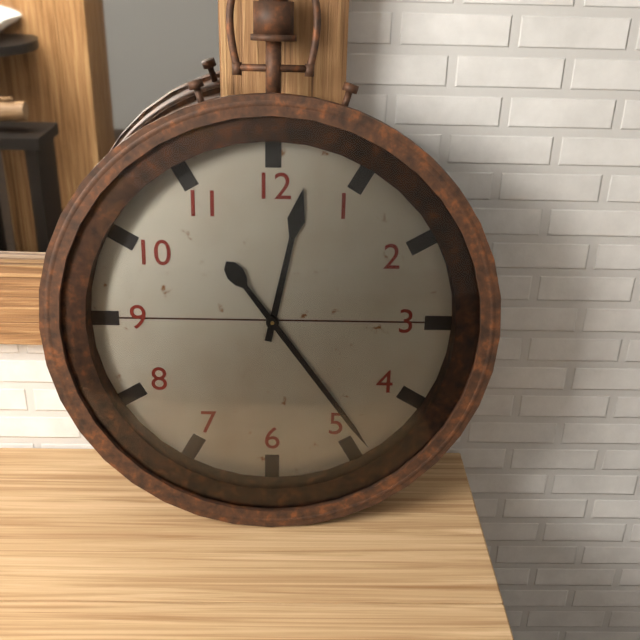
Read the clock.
12:24
